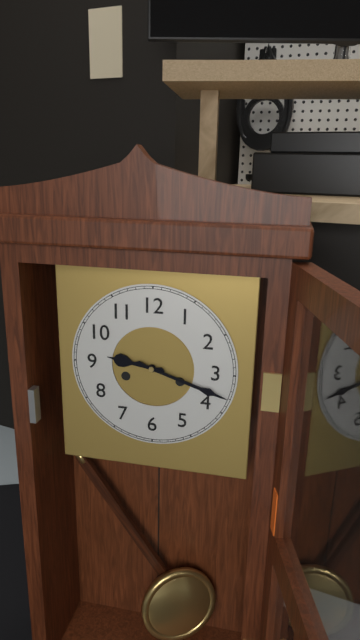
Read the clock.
9:18
